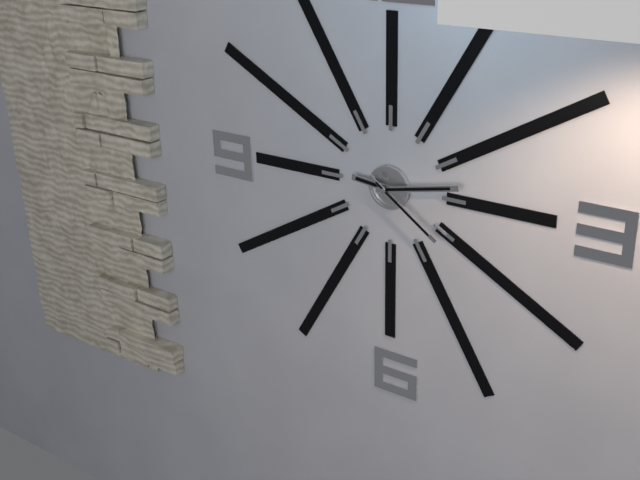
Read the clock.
9:13:21
